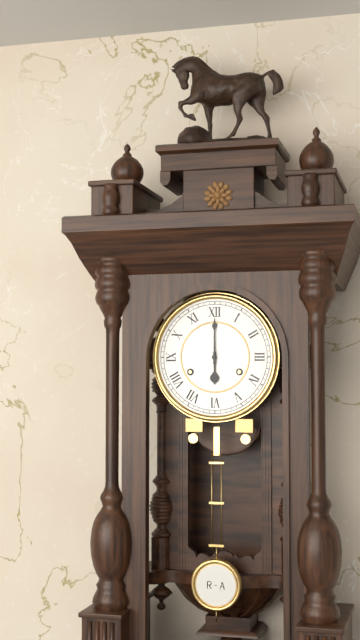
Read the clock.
6:00
